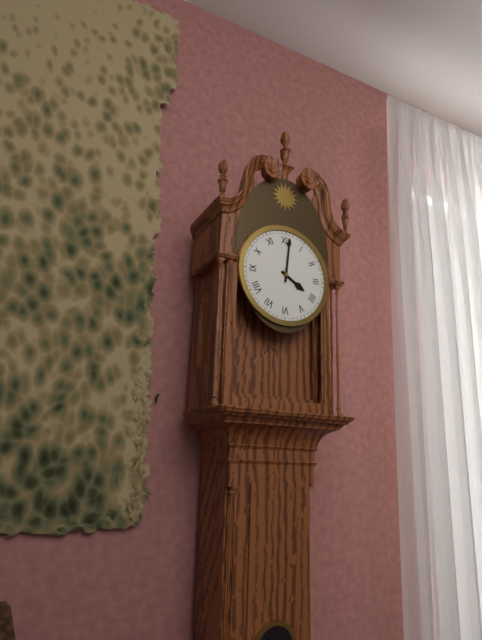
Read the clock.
4:01
